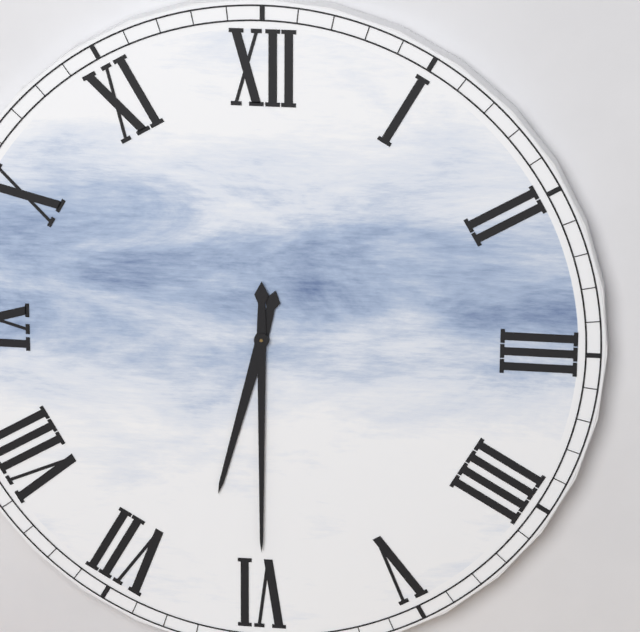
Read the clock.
6:30
